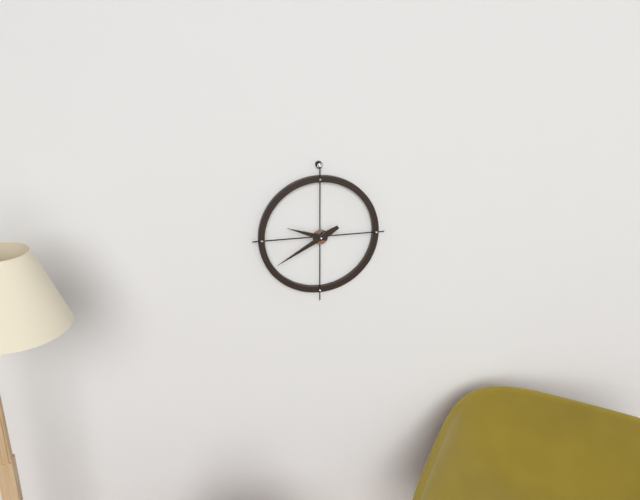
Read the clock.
9:40
